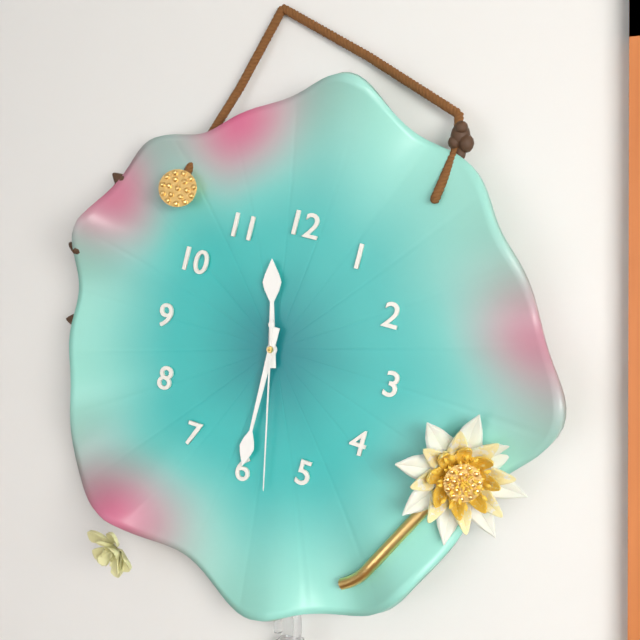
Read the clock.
11:30:28
